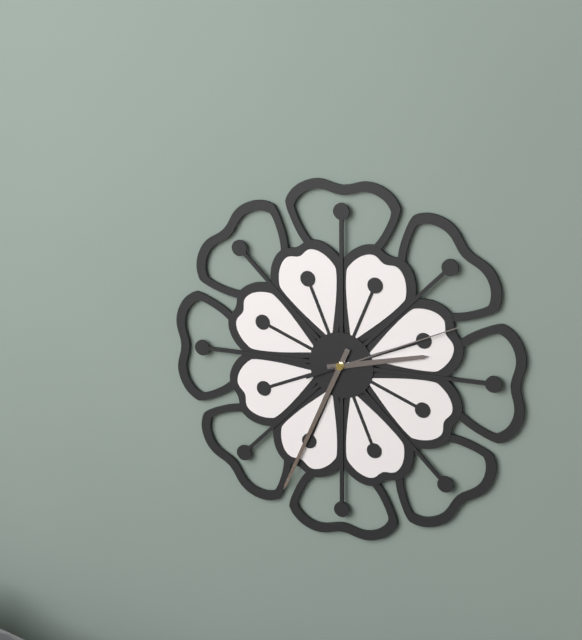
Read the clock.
2:34:11
